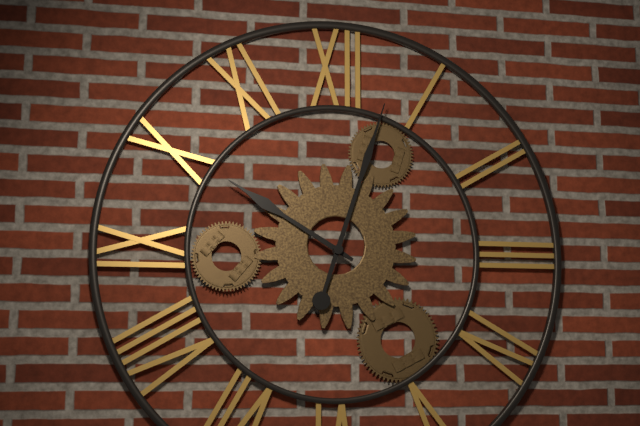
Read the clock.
10:03
